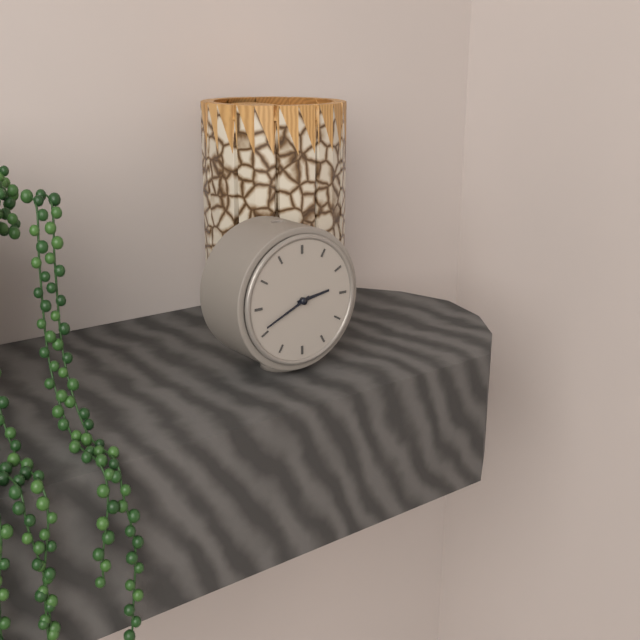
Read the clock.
2:41
